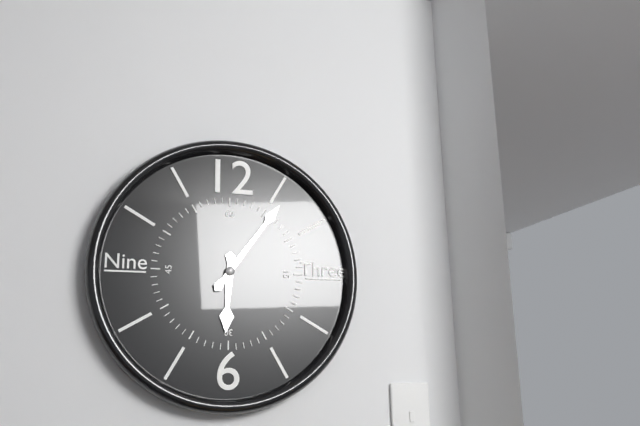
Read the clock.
6:06
